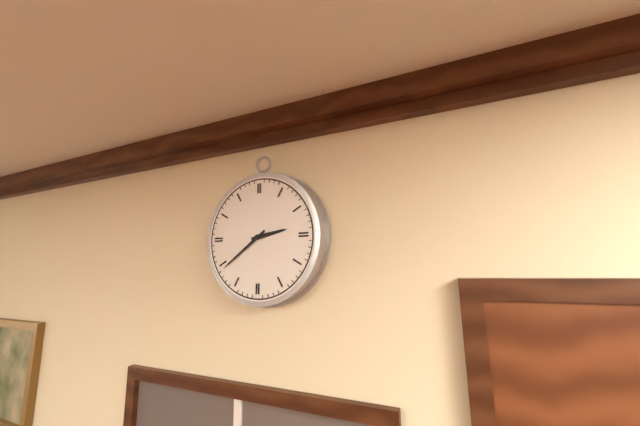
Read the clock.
2:39
